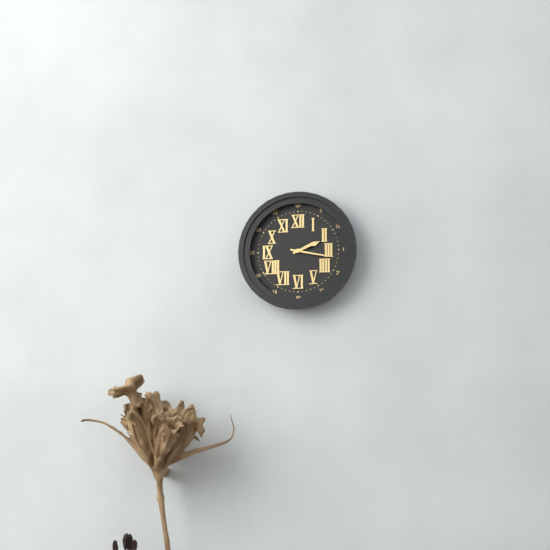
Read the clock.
2:17
